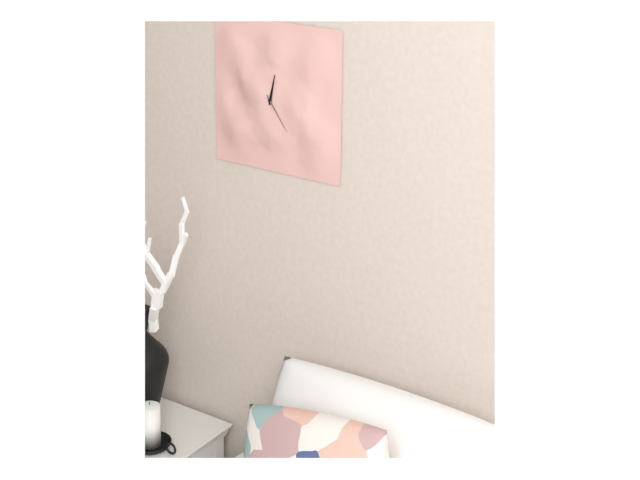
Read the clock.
12:24
